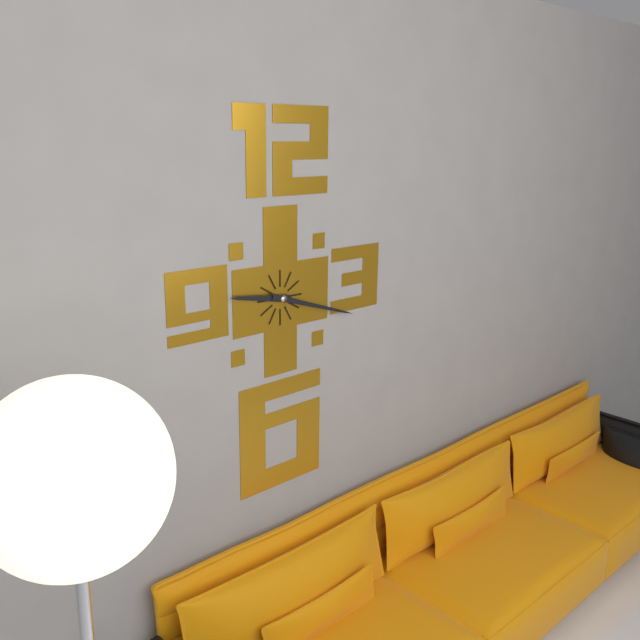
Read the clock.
9:18
